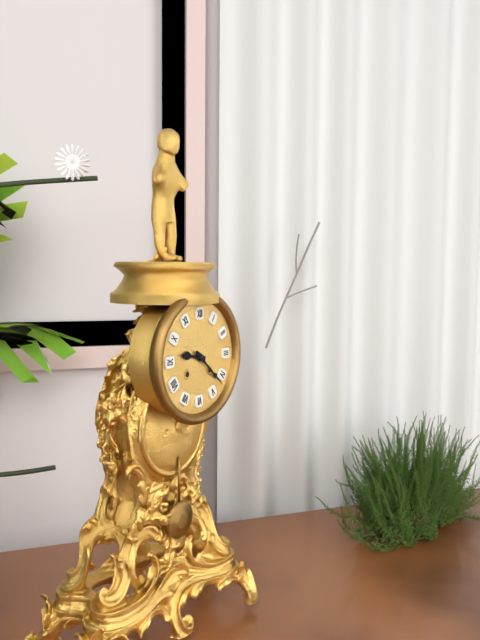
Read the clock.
9:22
